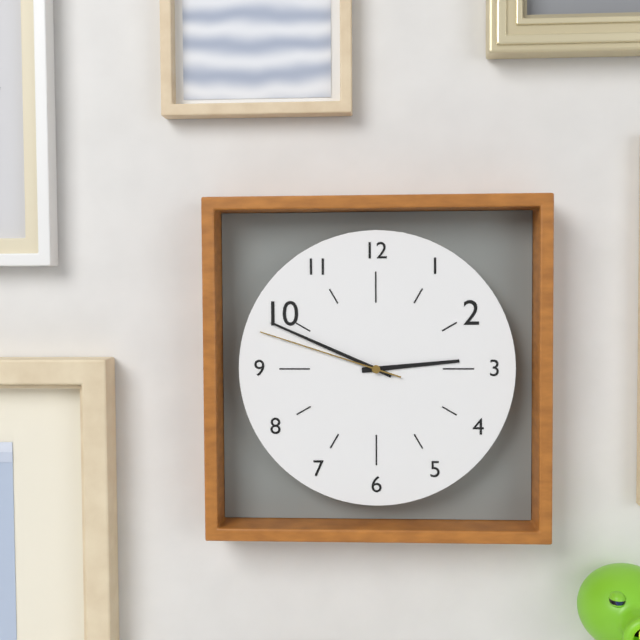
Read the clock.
2:49:48
